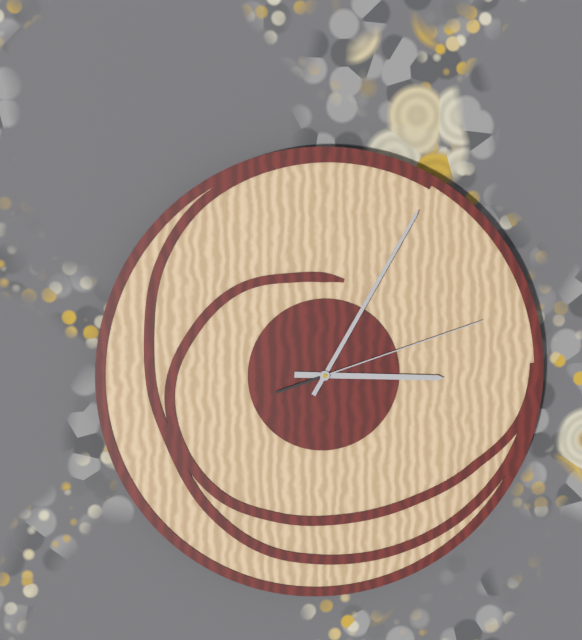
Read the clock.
3:05:12
